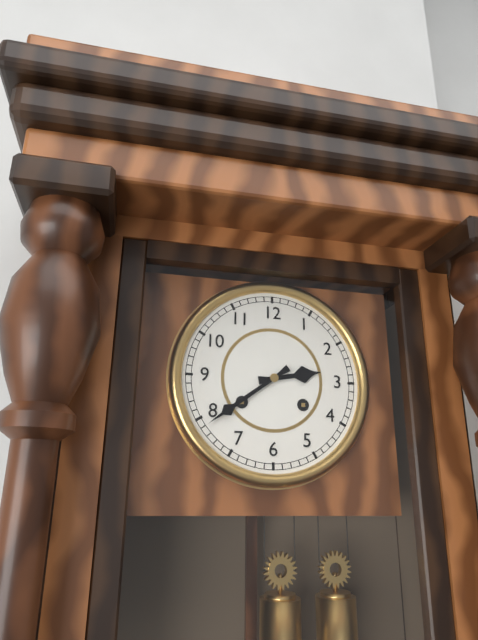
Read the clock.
2:39
